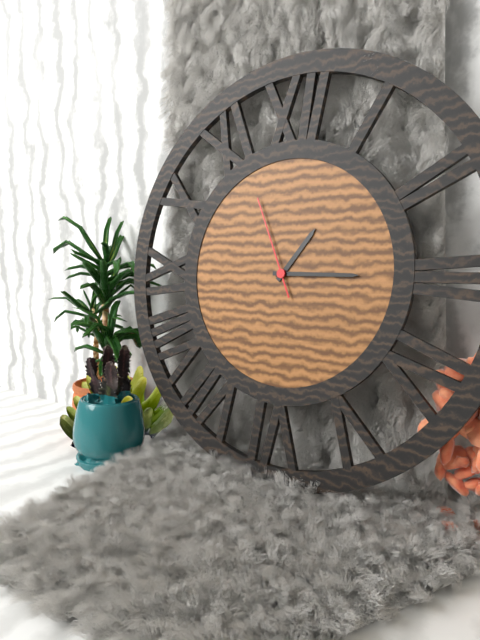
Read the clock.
1:15:56
